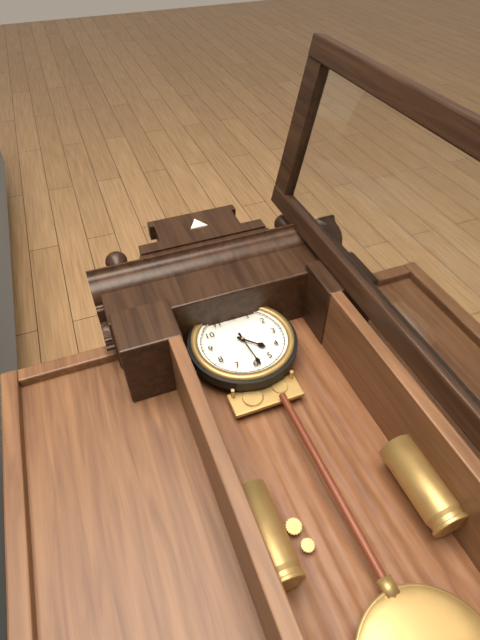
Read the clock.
4:29
